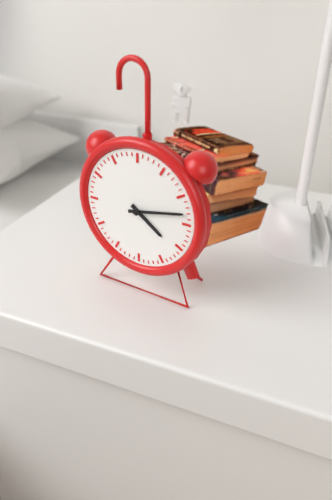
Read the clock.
4:13
